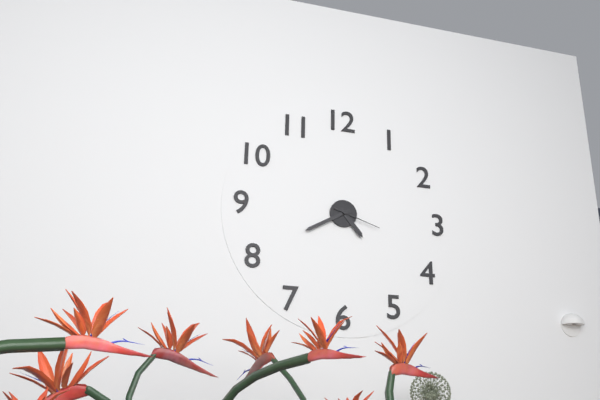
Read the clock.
4:40
